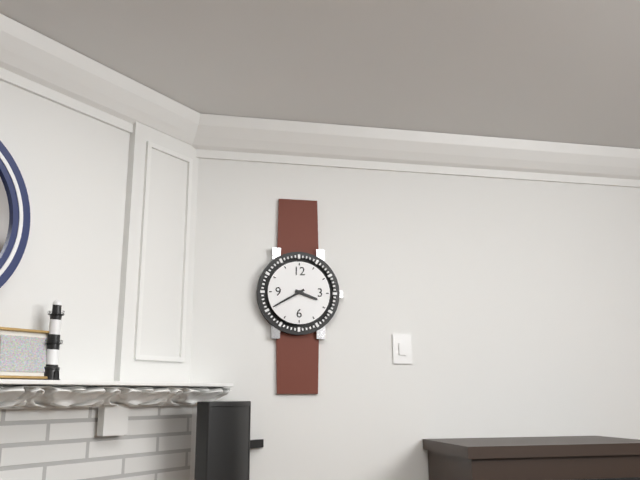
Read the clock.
3:40
